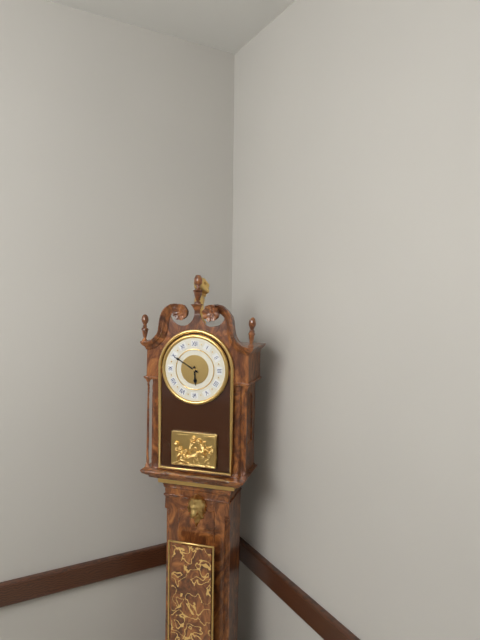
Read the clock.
5:50
